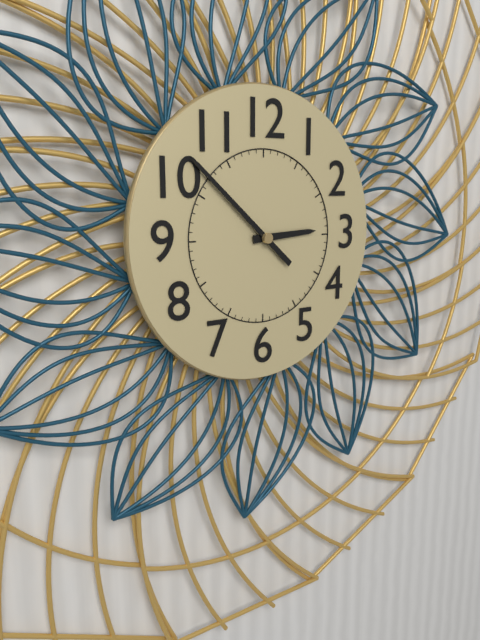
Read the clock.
2:52
